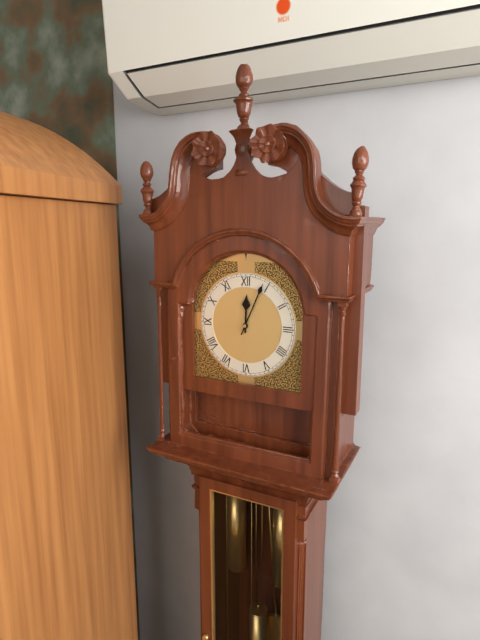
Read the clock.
12:04
